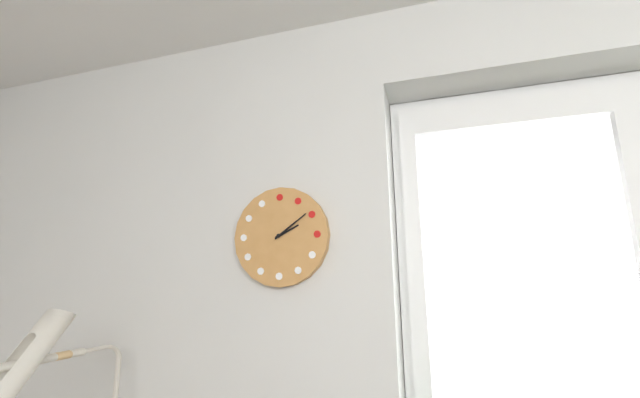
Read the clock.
2:09
